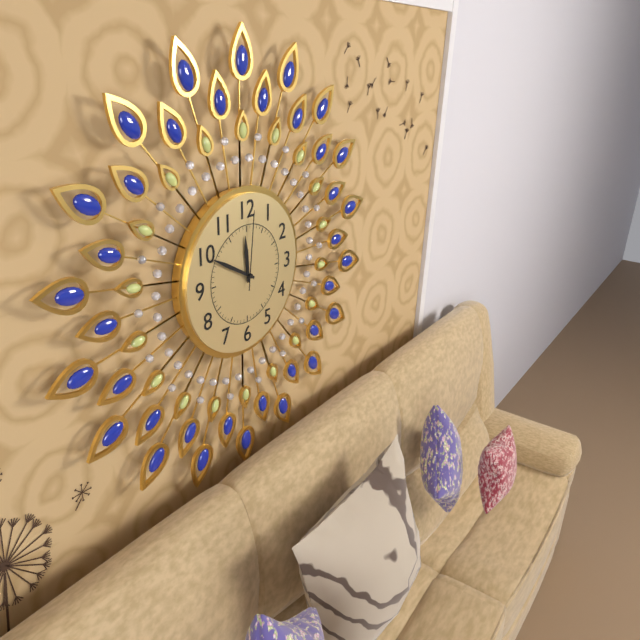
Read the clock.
11:50:01
